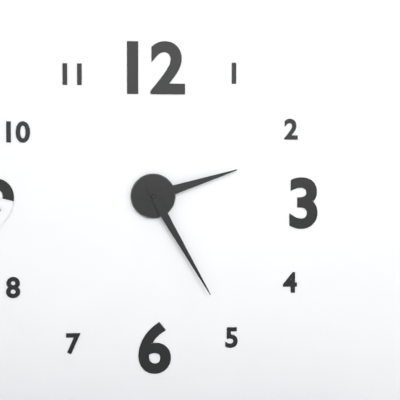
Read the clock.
2:25
